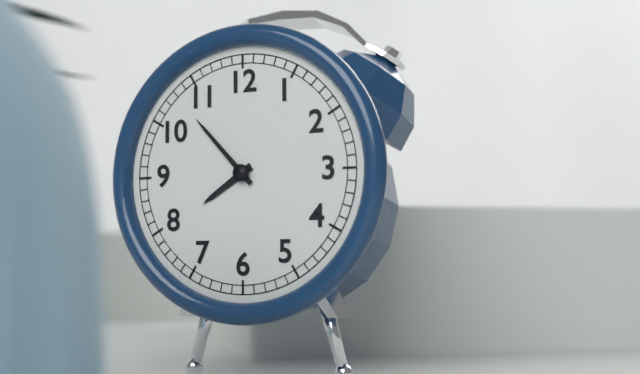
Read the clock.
7:53
